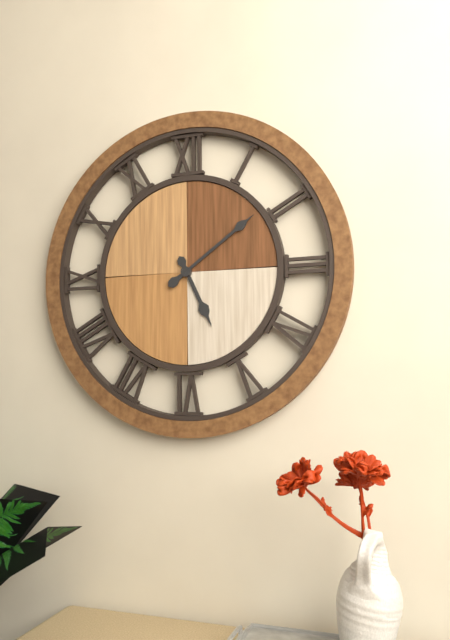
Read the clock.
5:09
